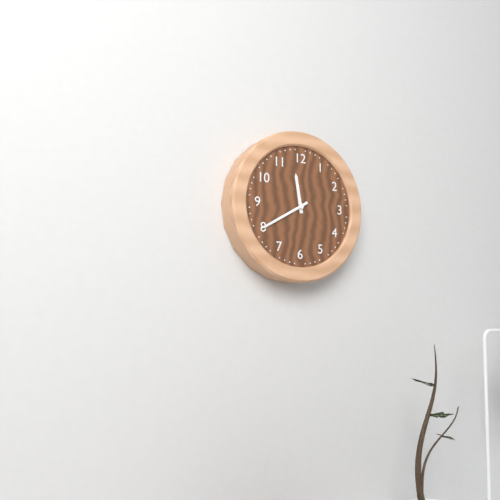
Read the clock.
11:40
